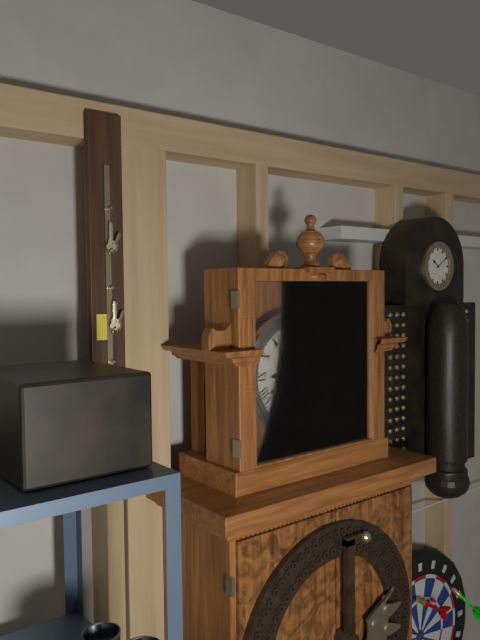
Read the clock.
8:54
